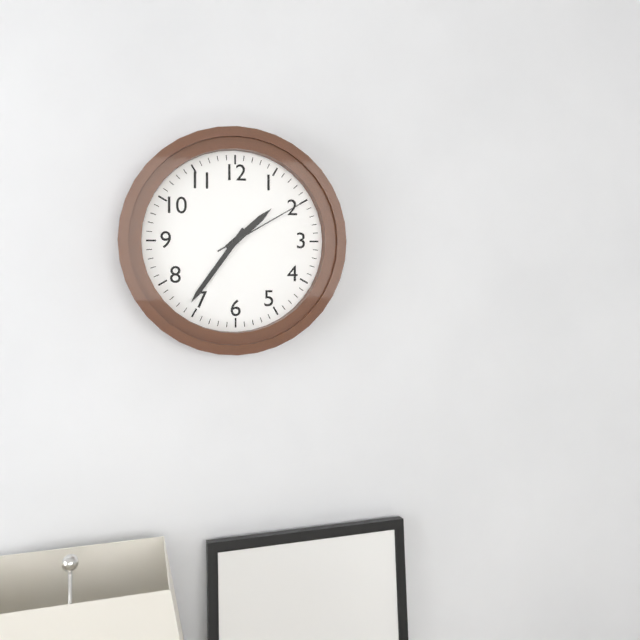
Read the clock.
1:36:10
